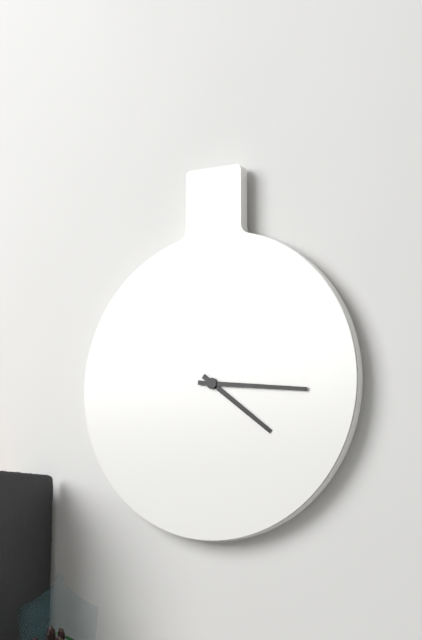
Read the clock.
4:16
